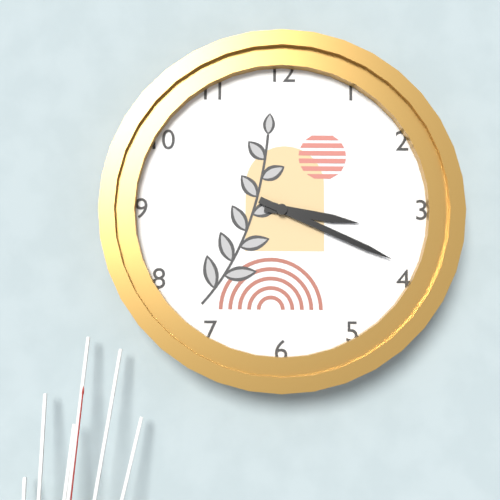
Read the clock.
3:19
